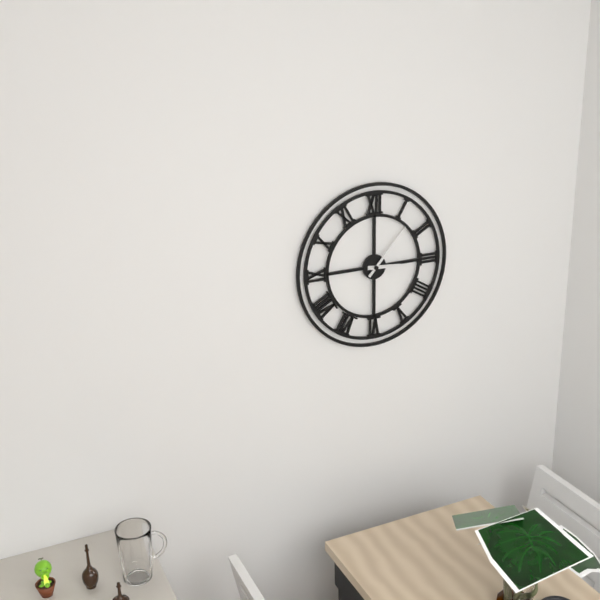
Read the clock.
3:07
